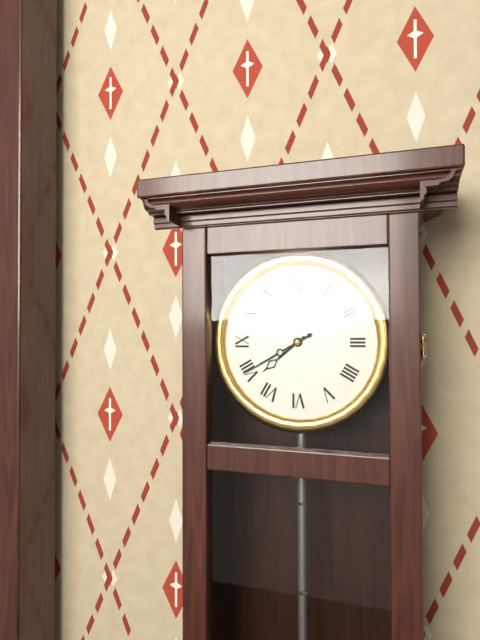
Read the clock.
7:40
